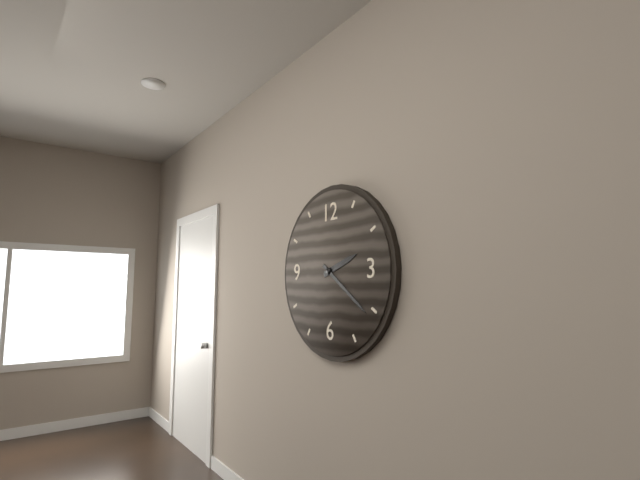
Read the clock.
2:21
